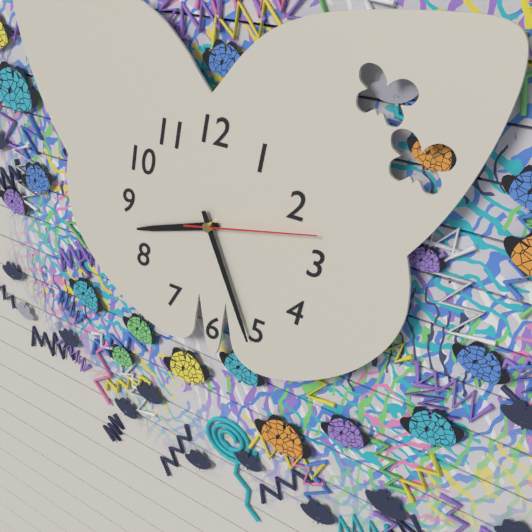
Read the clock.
8:26:13
